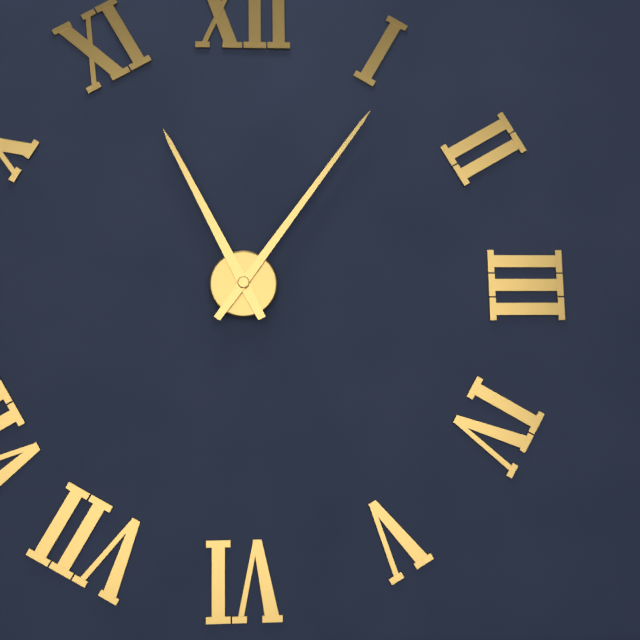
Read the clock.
11:06
